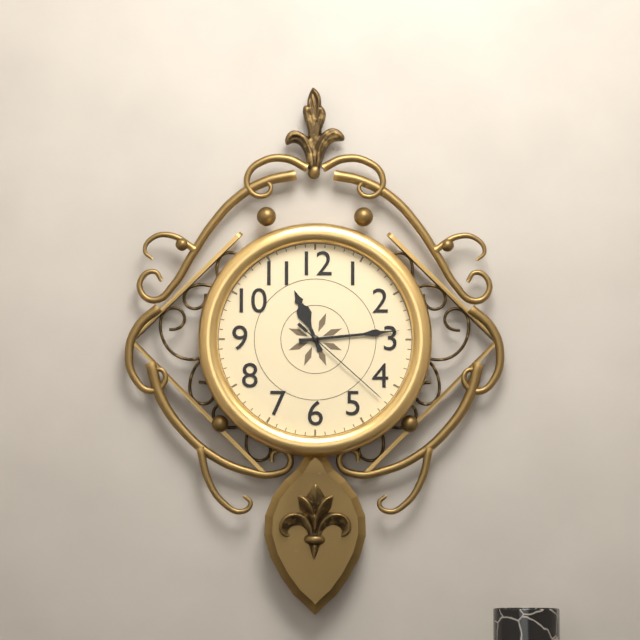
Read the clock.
11:14:22
